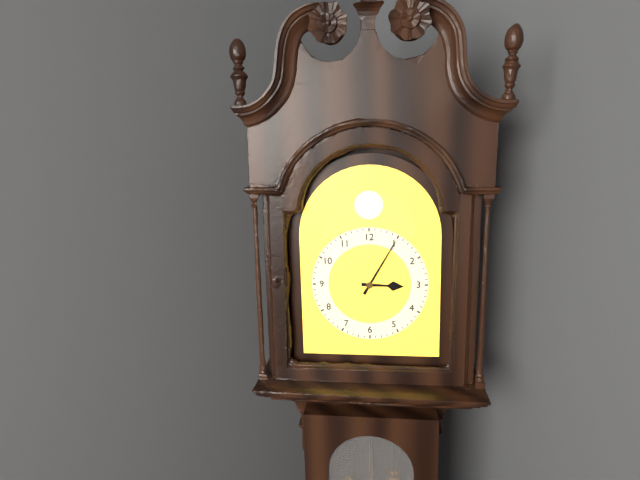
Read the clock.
3:05
